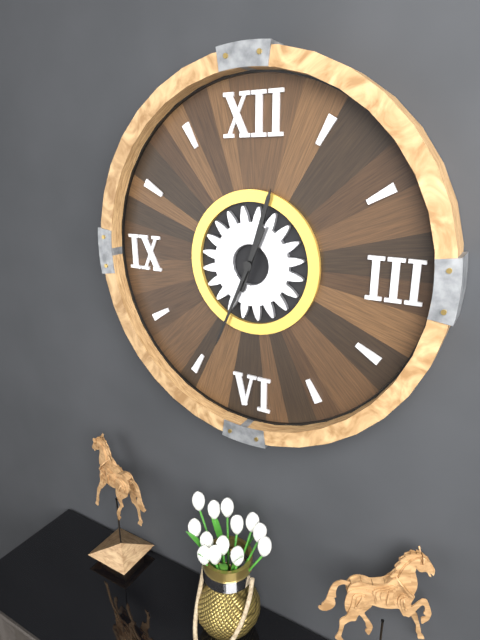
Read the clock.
12:34
